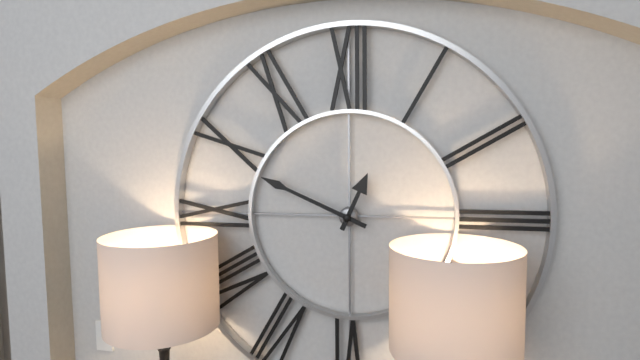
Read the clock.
12:49
